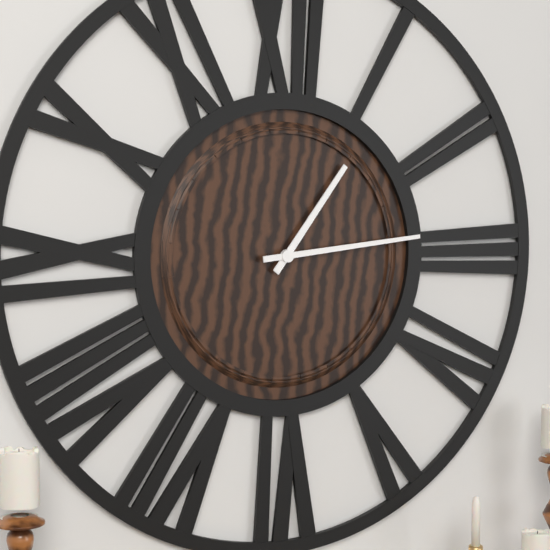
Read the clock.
1:14
